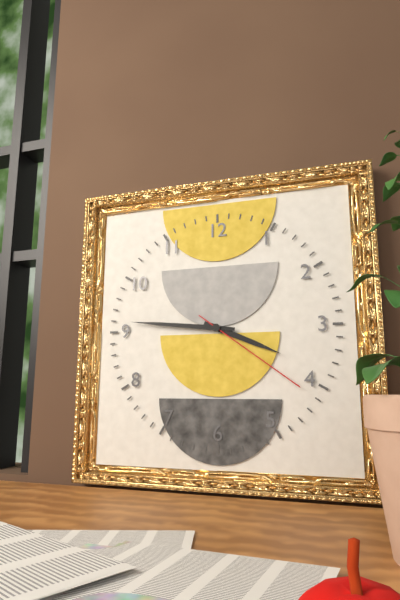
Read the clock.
3:46:21
